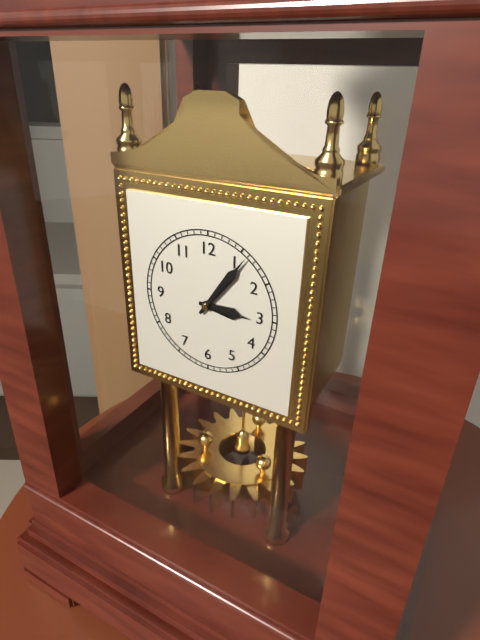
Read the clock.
3:06
